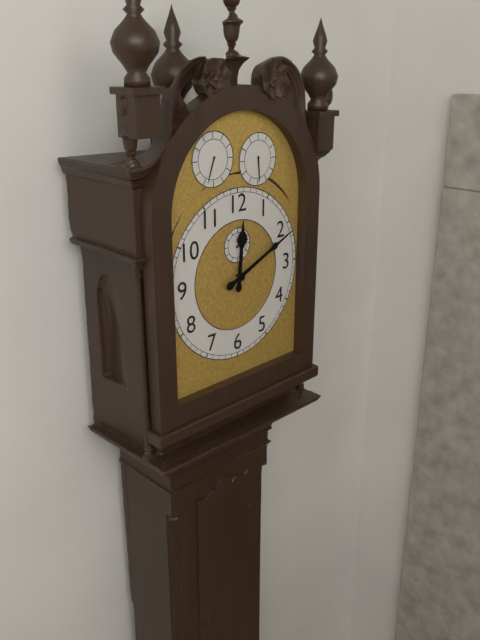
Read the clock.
12:11
